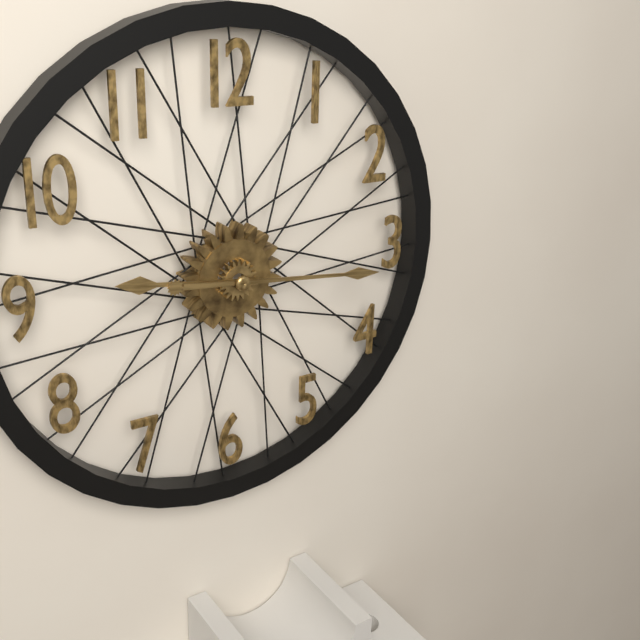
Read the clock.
9:16
